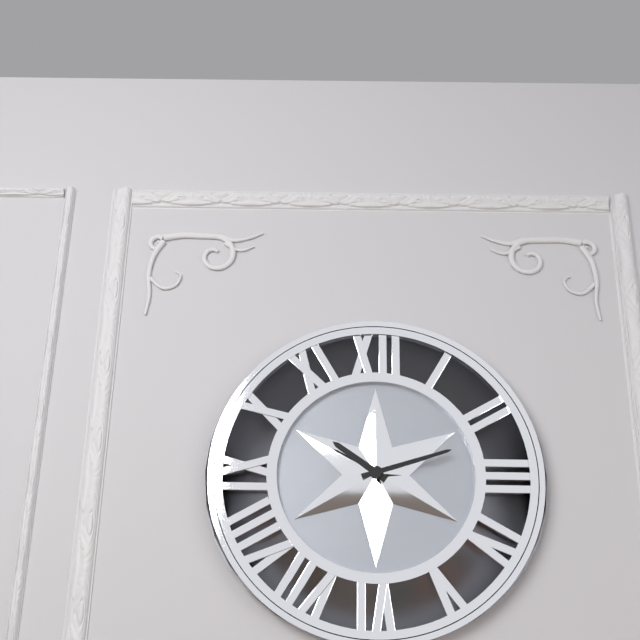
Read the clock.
10:12
